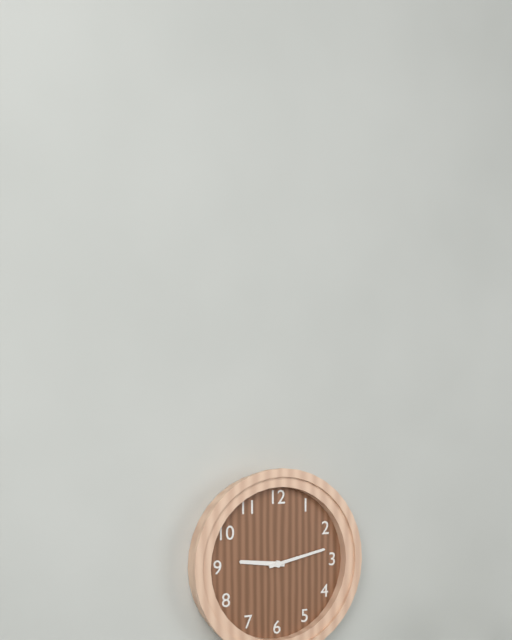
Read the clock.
9:13
